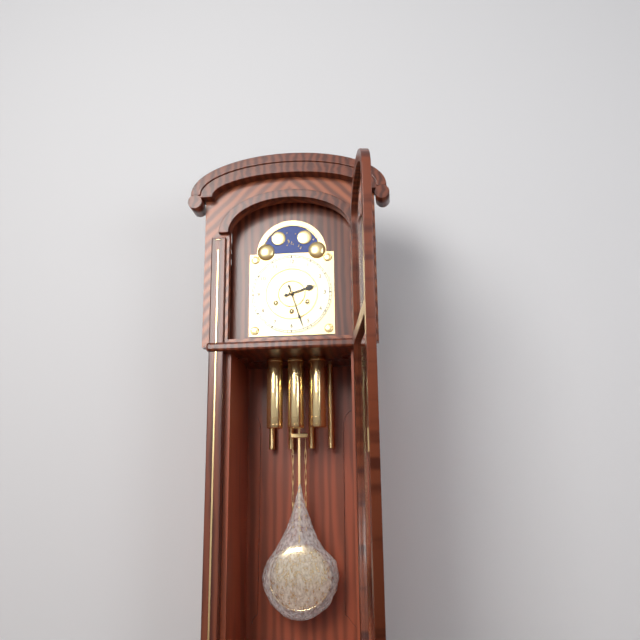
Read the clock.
2:27
